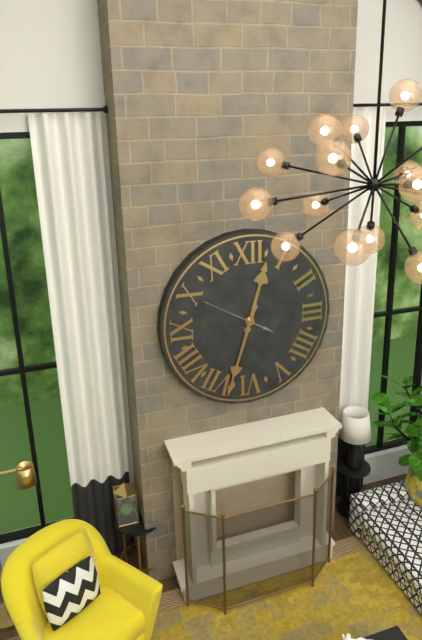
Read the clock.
12:33:50
